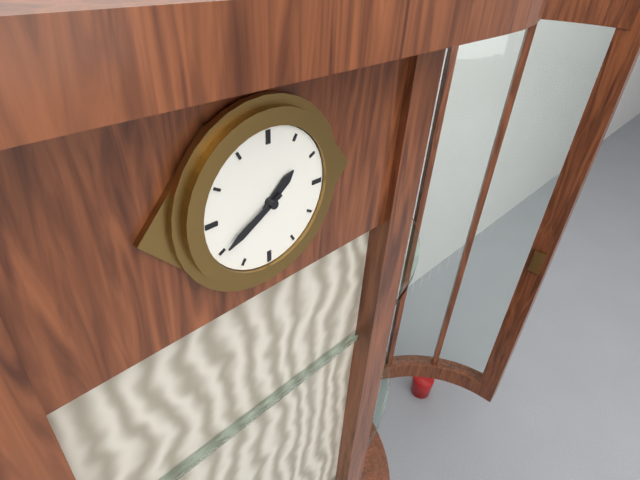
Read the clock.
1:40
